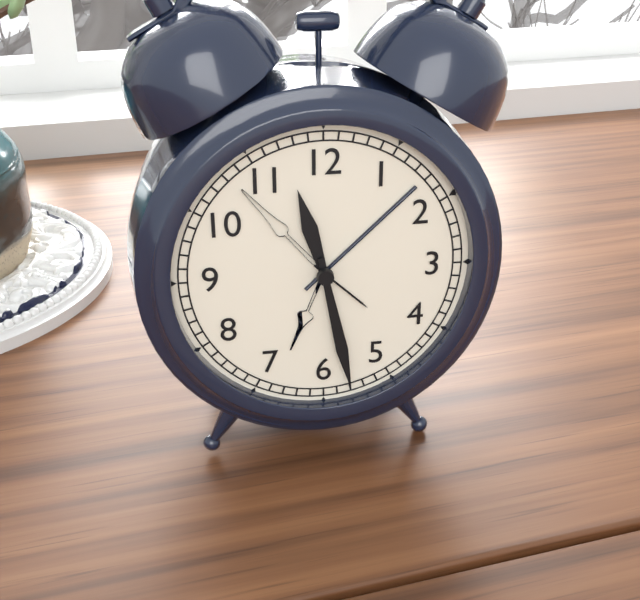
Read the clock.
11:28
